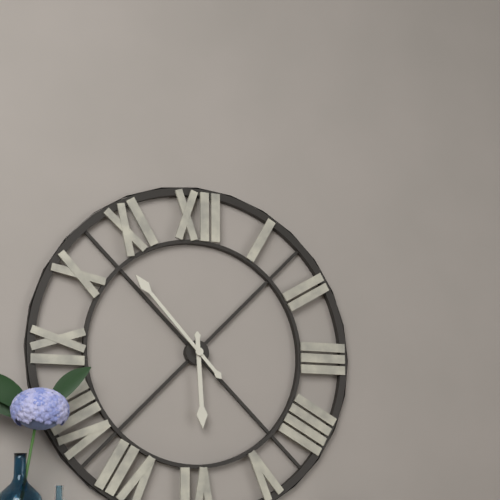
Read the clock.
5:53
